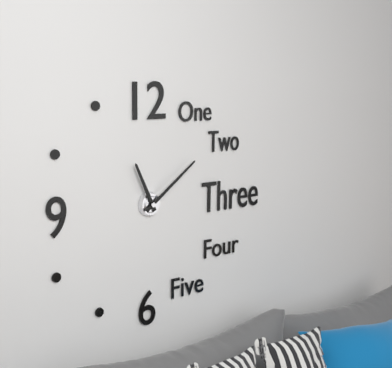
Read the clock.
11:09
